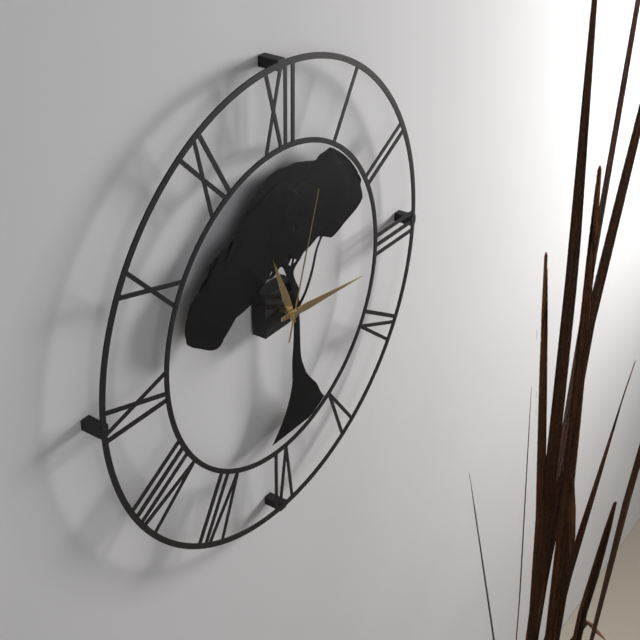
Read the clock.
11:16:03
